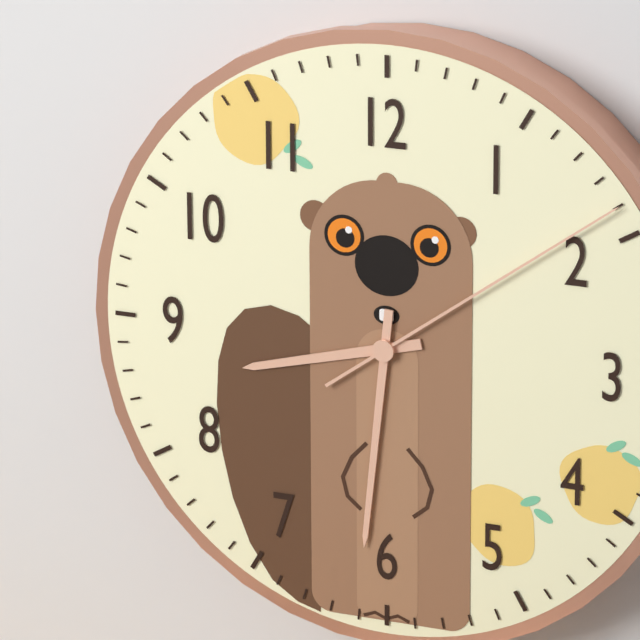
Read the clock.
8:31:09
